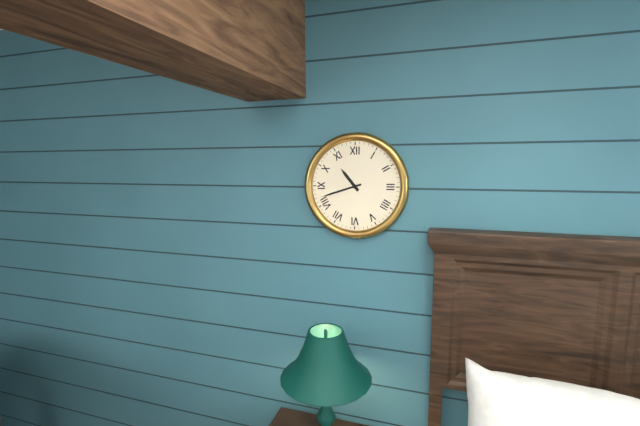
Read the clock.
10:42
